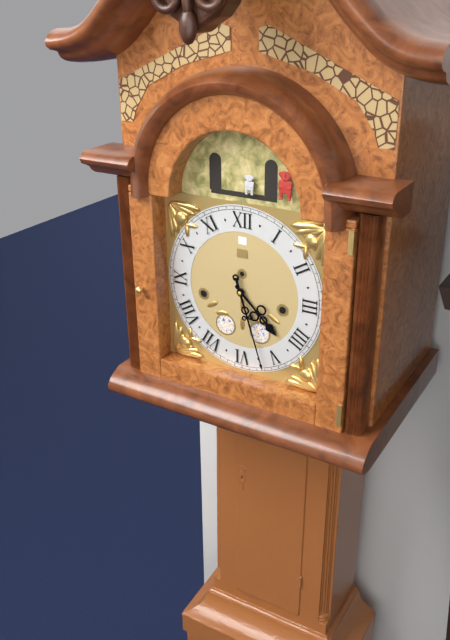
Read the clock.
4:27
